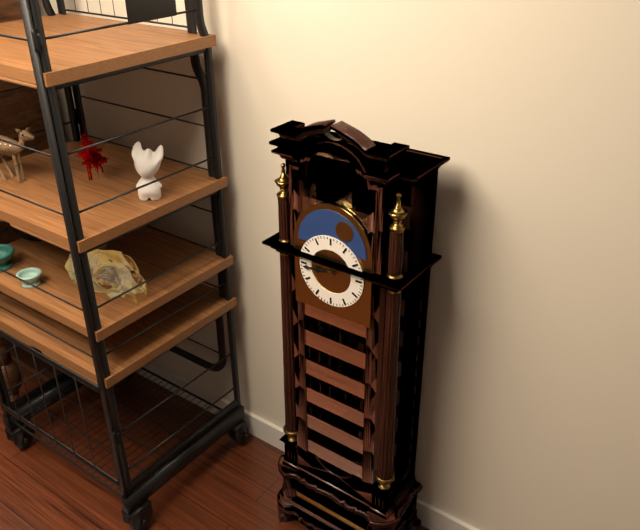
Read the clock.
8:44
